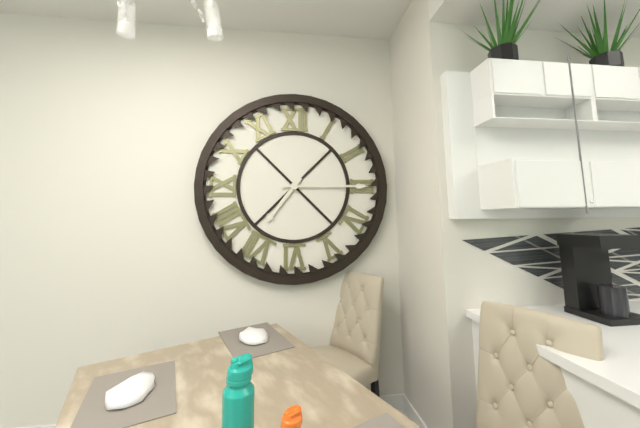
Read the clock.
7:15
